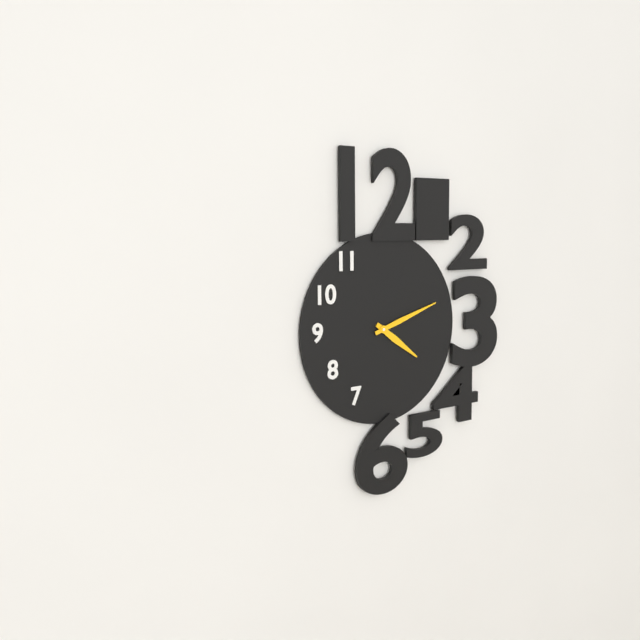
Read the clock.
4:12
